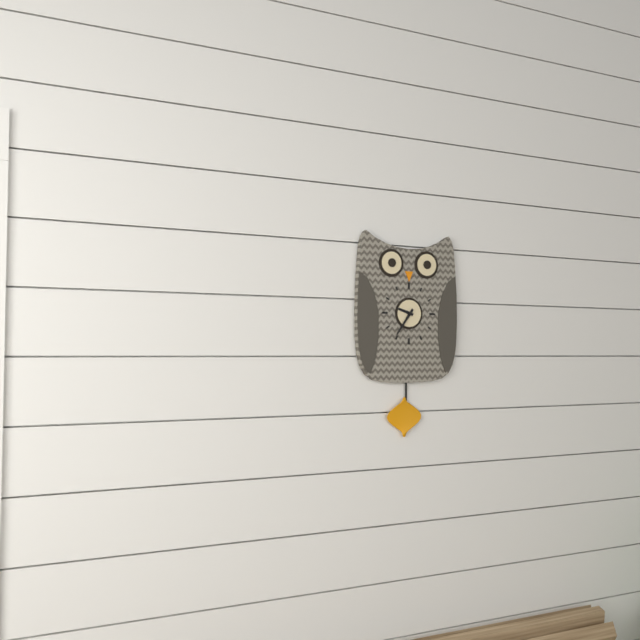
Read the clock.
9:36
